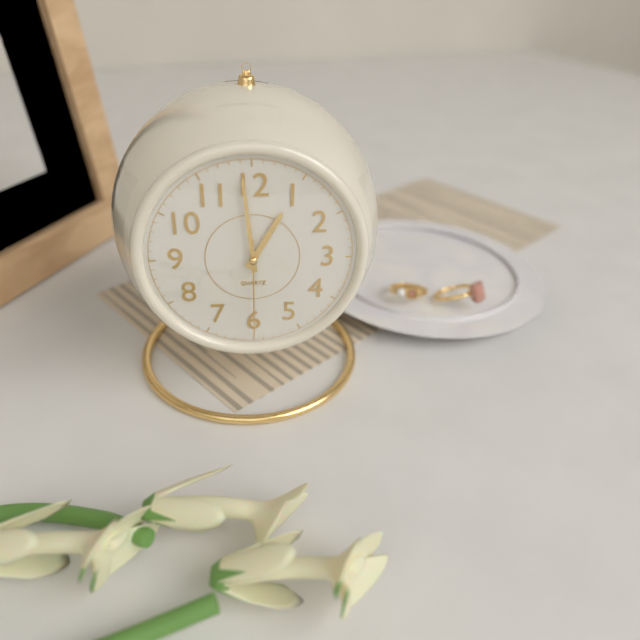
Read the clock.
12:59:30
